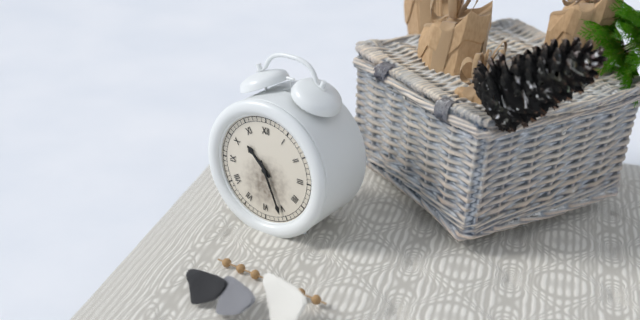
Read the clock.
10:26
